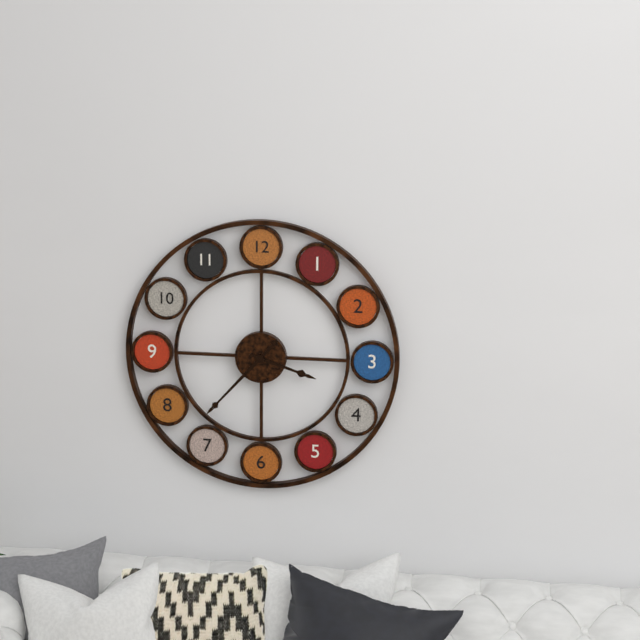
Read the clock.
3:37
